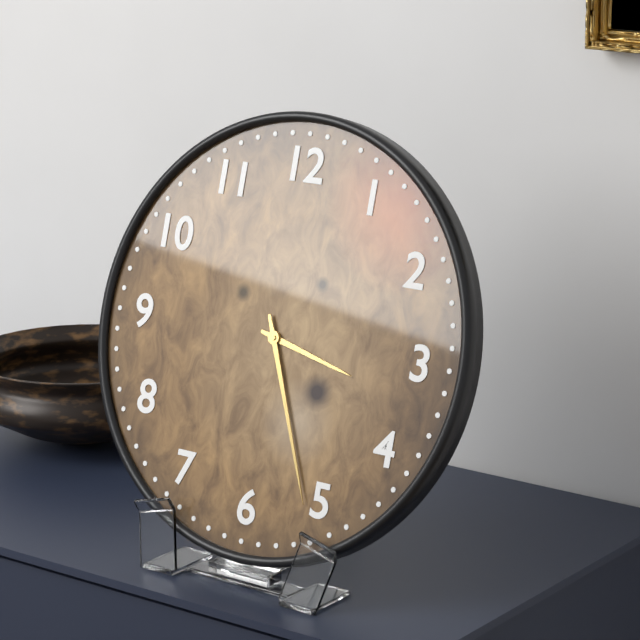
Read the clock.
3:26
